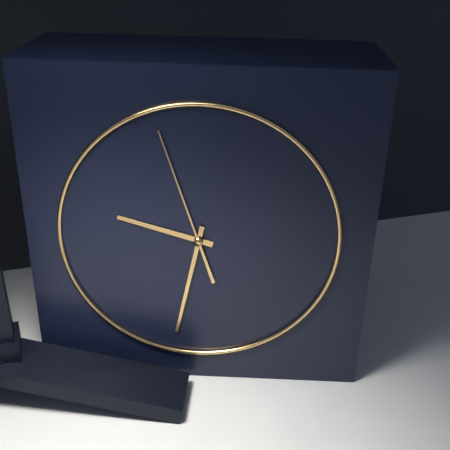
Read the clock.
9:32:57
